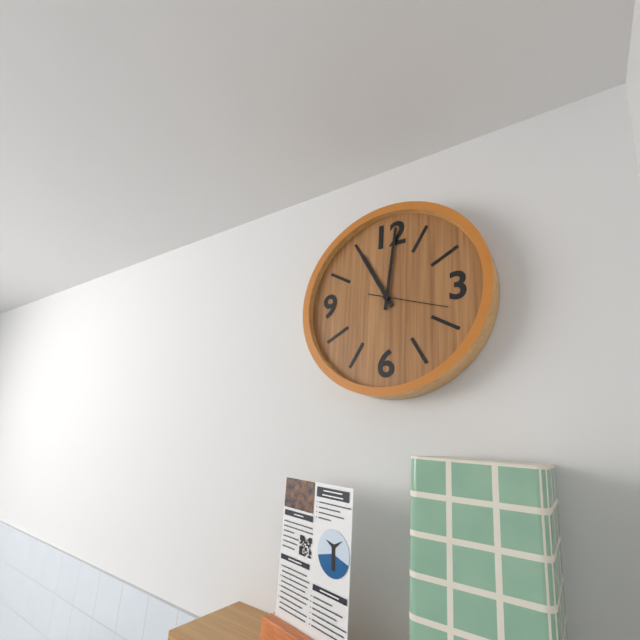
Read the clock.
11:01:18
